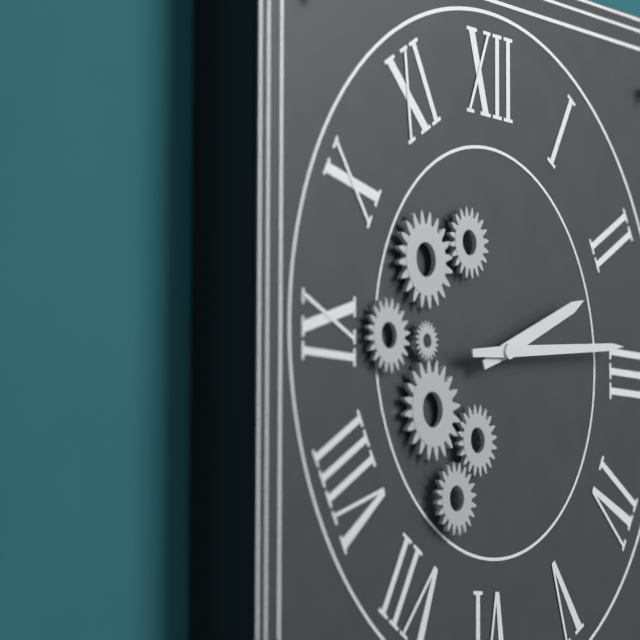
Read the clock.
2:14
